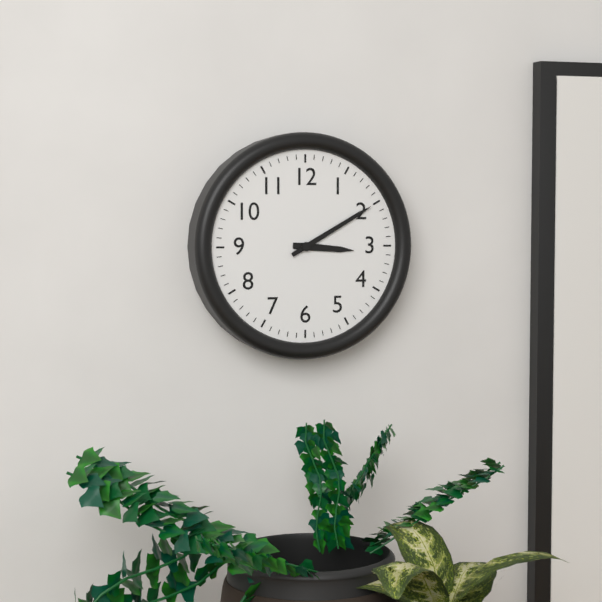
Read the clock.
3:10
